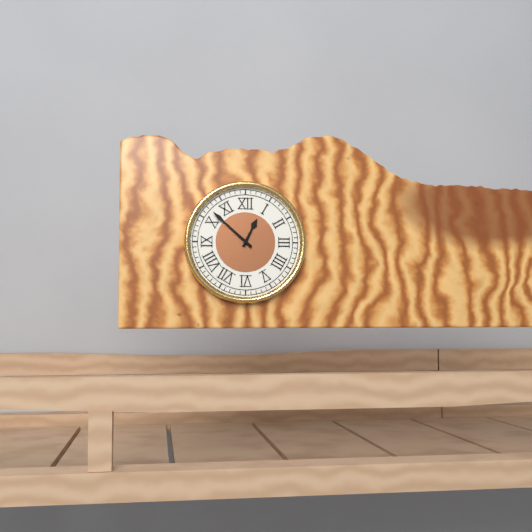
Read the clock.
12:52
